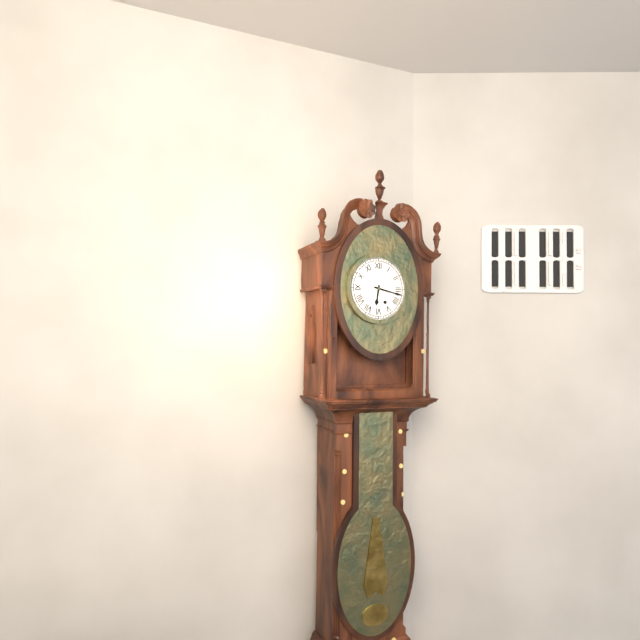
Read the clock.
6:17
